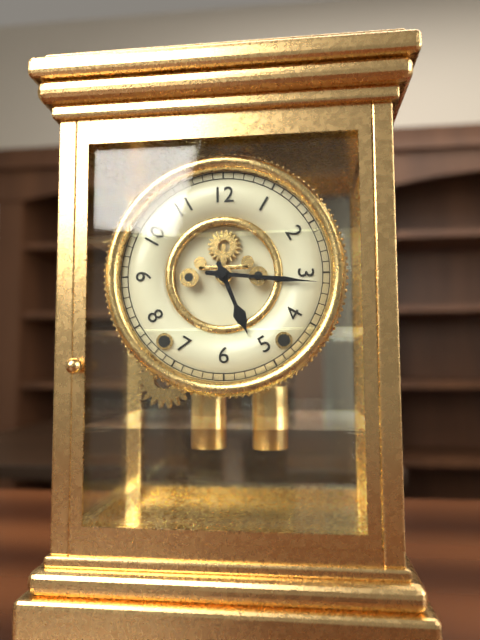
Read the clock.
5:16
